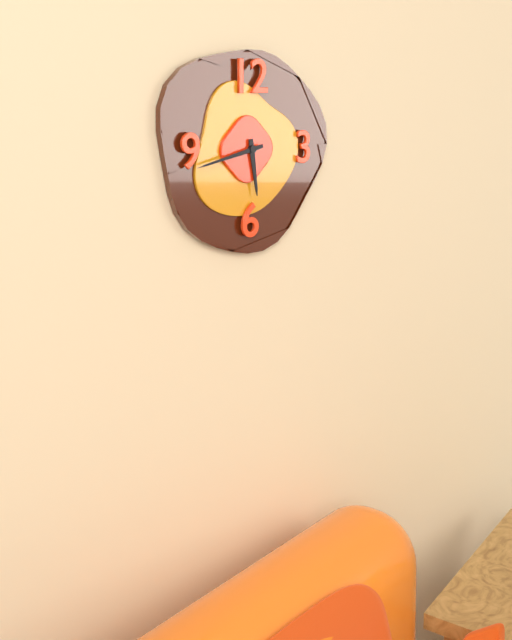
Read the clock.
5:43
